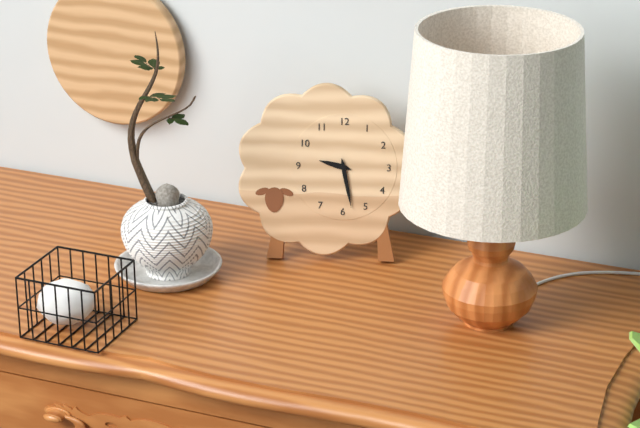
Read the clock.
9:28
